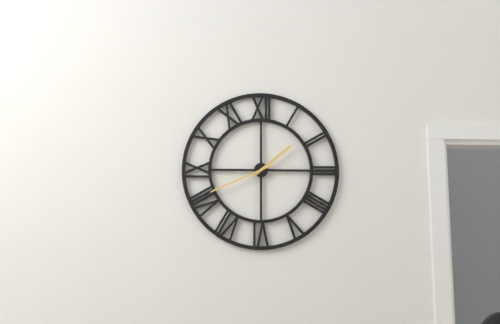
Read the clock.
1:41
